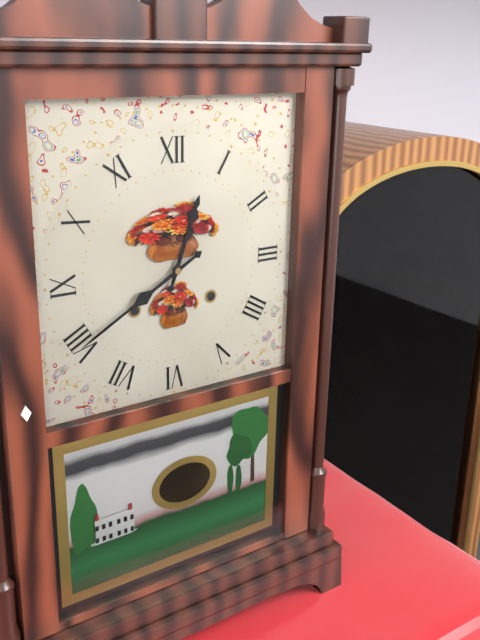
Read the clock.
12:40
